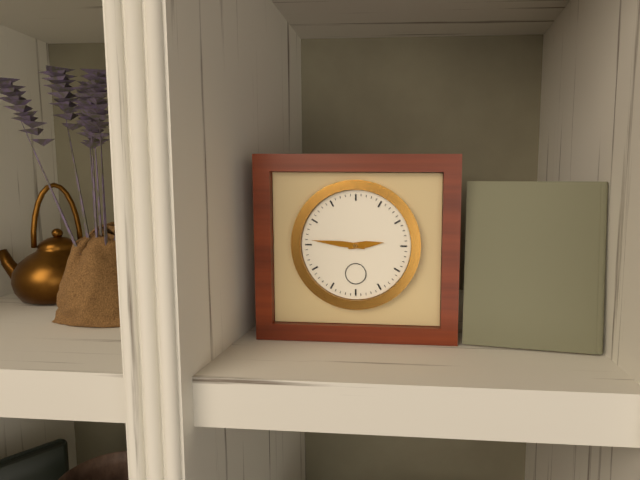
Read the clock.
2:46
